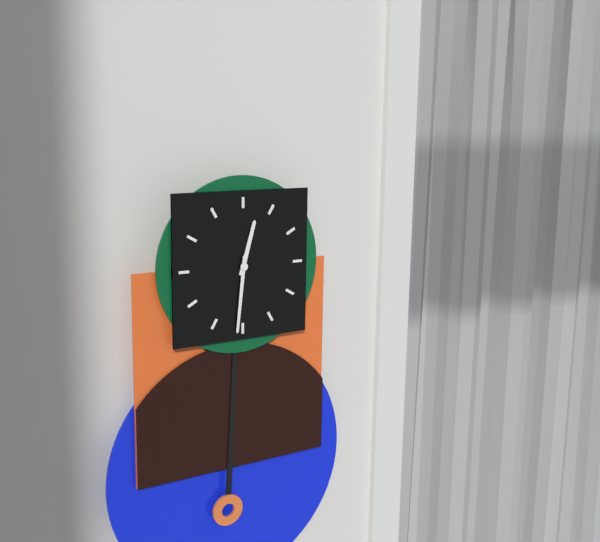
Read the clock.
12:31
